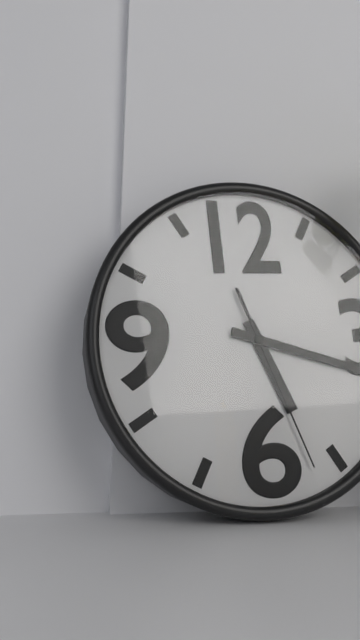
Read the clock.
5:18:27
